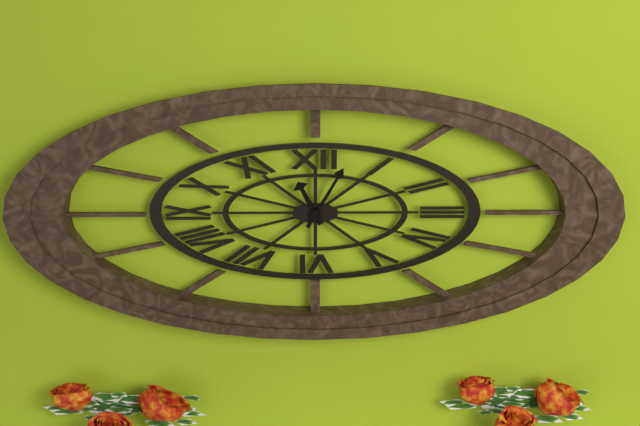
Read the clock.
11:05
